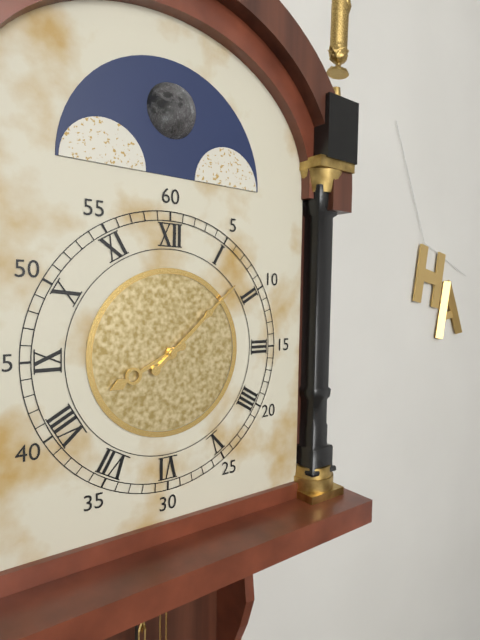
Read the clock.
8:08
